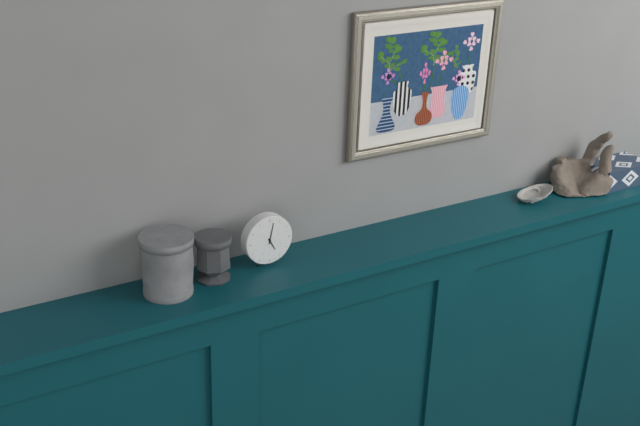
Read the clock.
5:02
